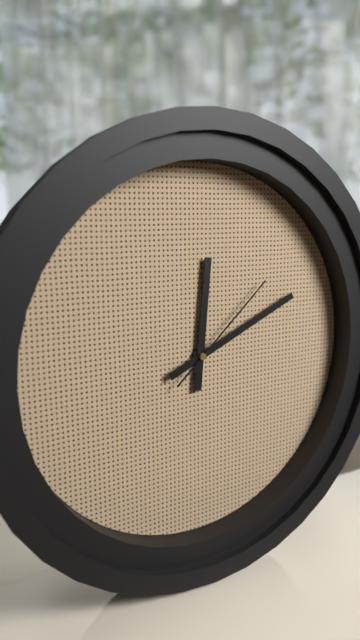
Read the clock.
12:11:08
